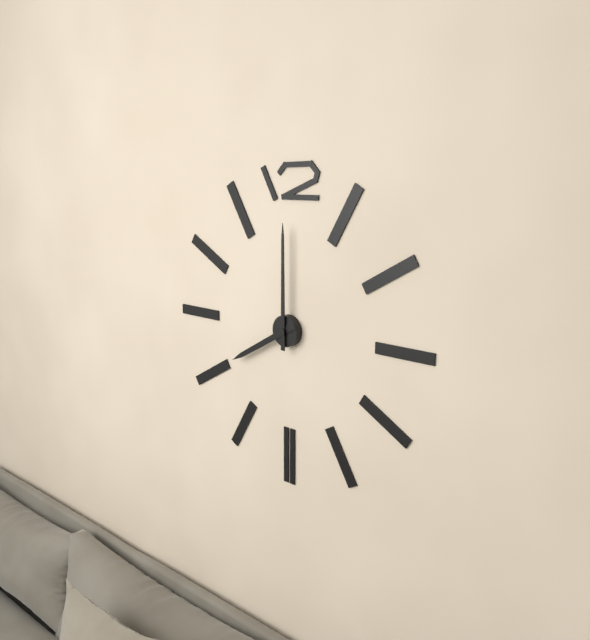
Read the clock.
8:00
